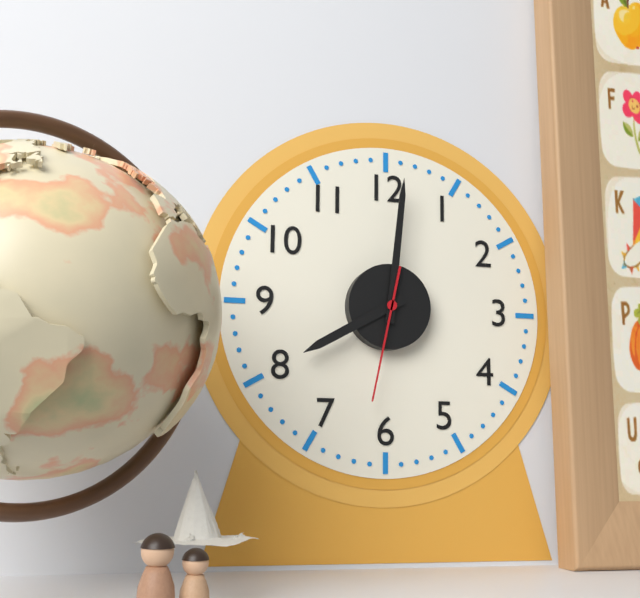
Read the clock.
8:01:32
